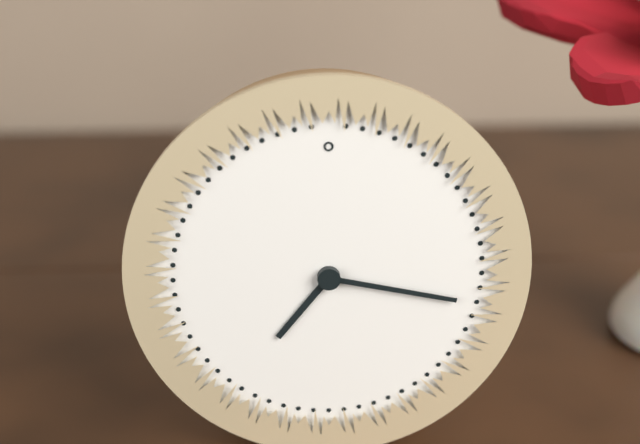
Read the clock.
7:17
